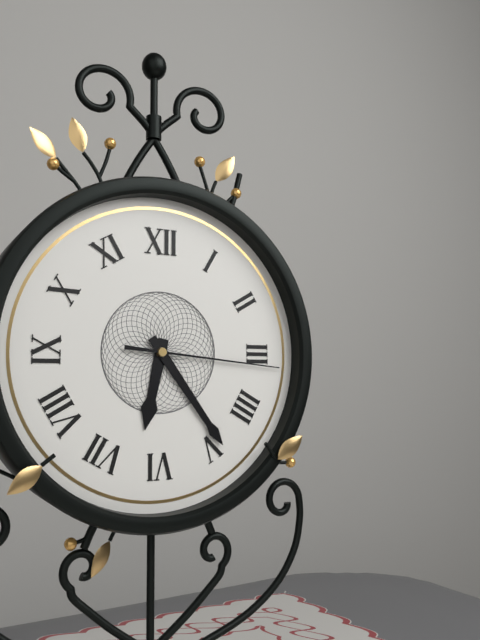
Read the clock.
6:24:16
